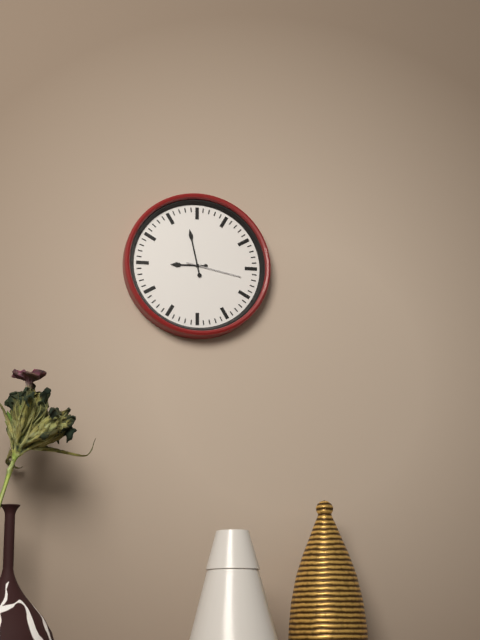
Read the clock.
8:58:17
